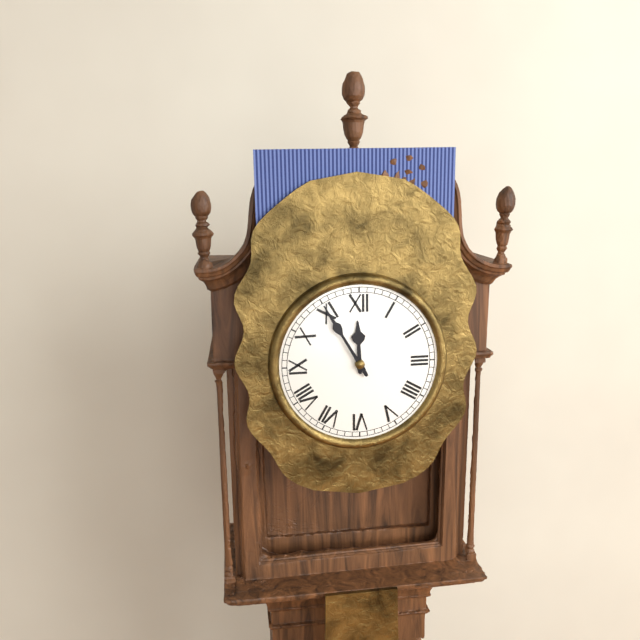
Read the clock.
11:55
